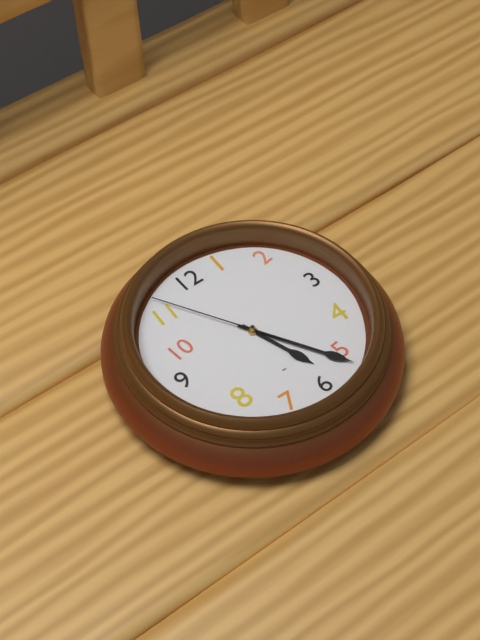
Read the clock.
5:25:55
